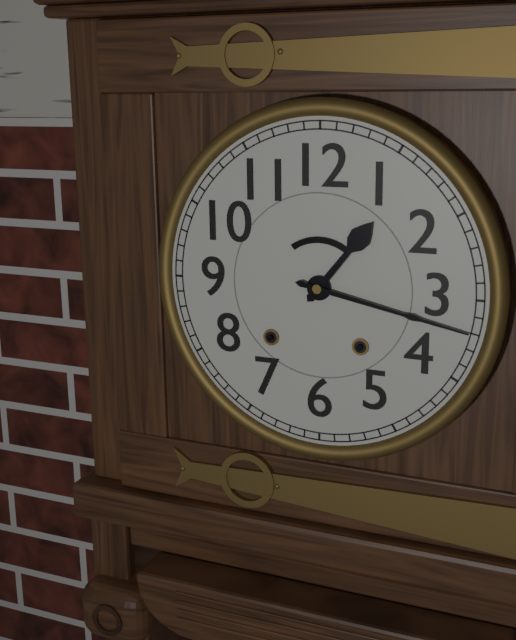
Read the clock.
1:17
